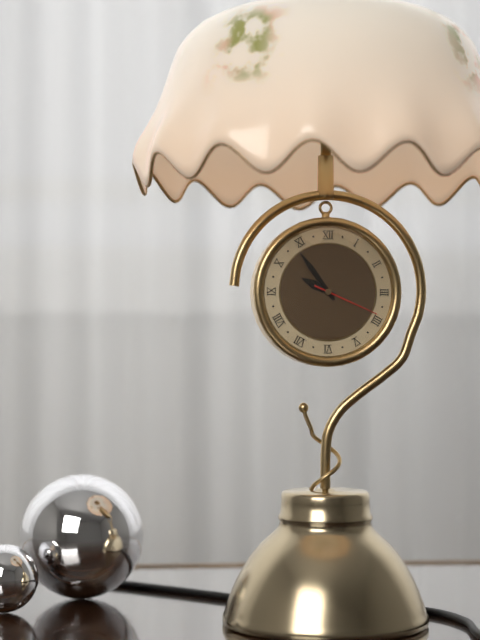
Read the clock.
9:54:19
